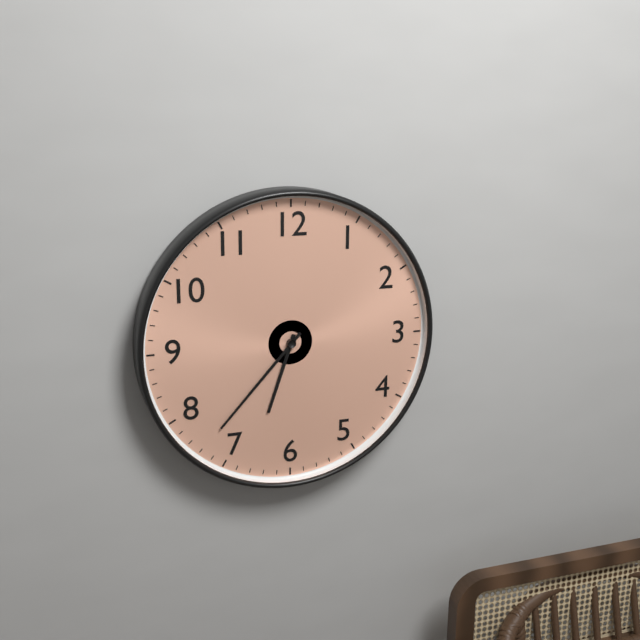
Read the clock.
6:37
